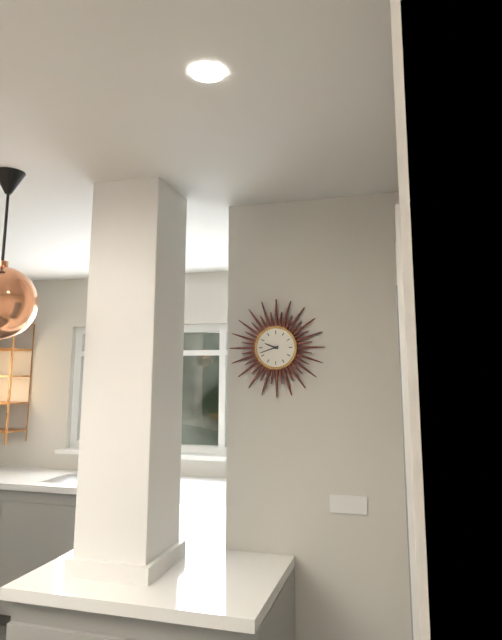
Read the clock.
9:42
